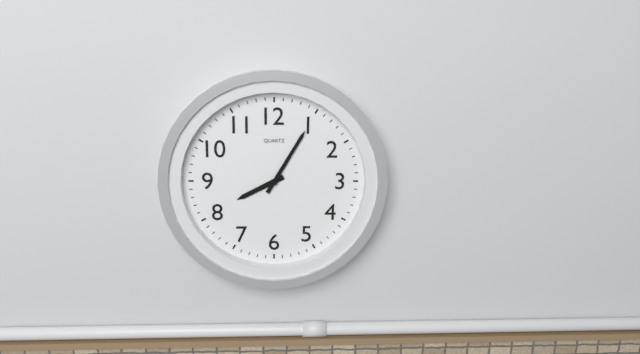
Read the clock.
8:05
